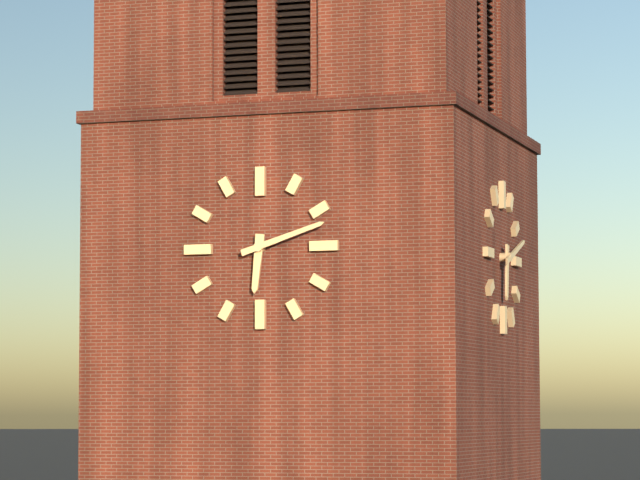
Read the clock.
6:12
